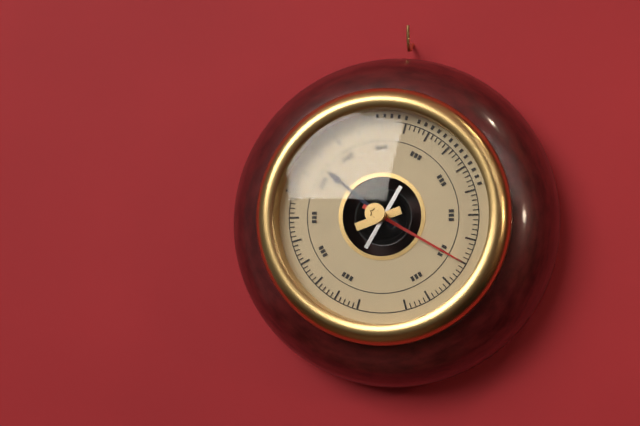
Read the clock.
10:20
